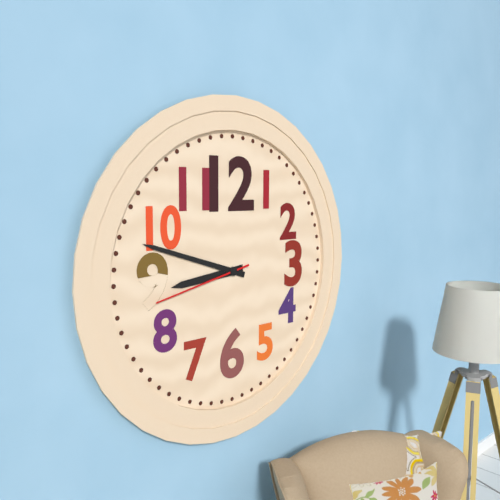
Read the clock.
8:48:43
